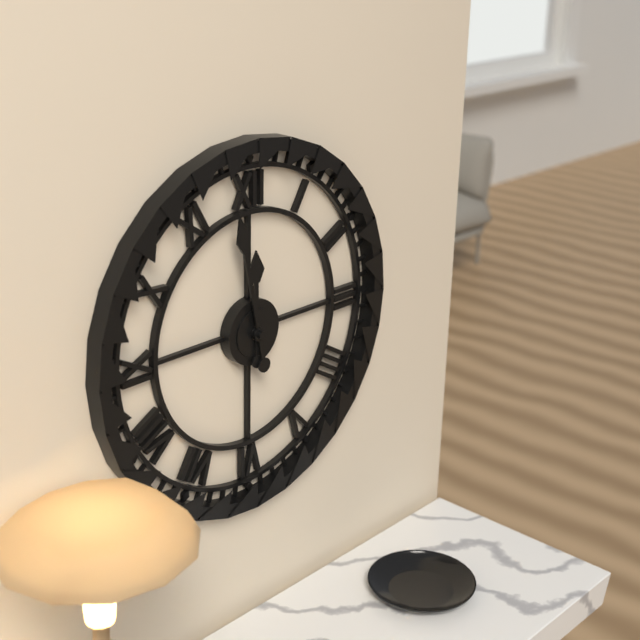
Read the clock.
11:58
